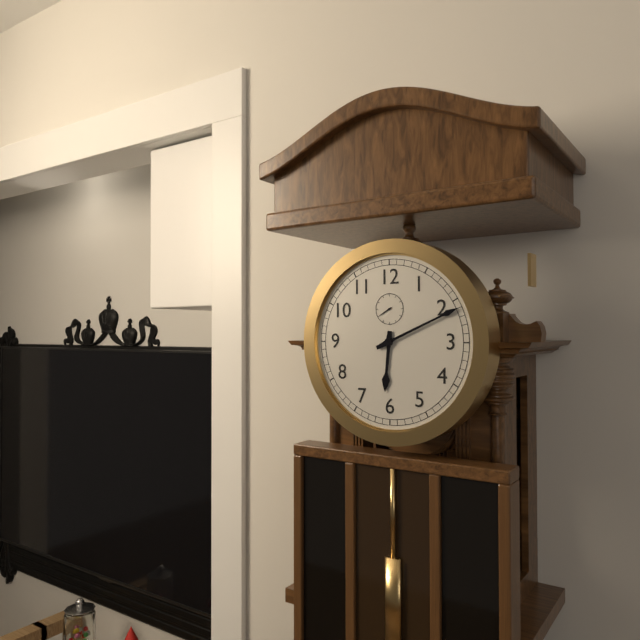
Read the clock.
6:11
